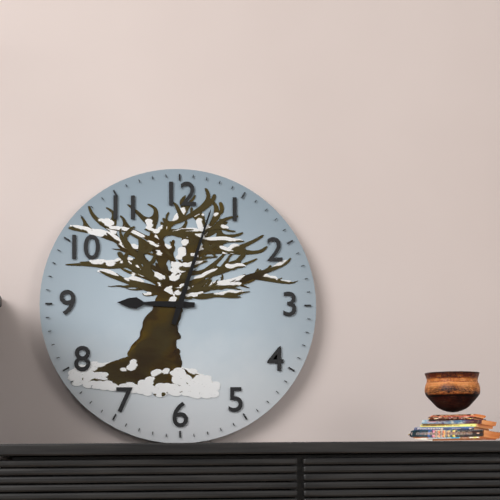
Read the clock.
9:03
